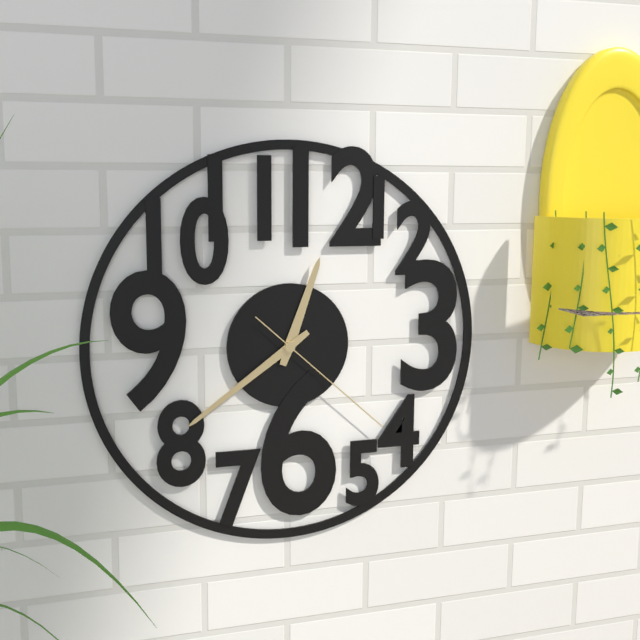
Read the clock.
12:39:22
